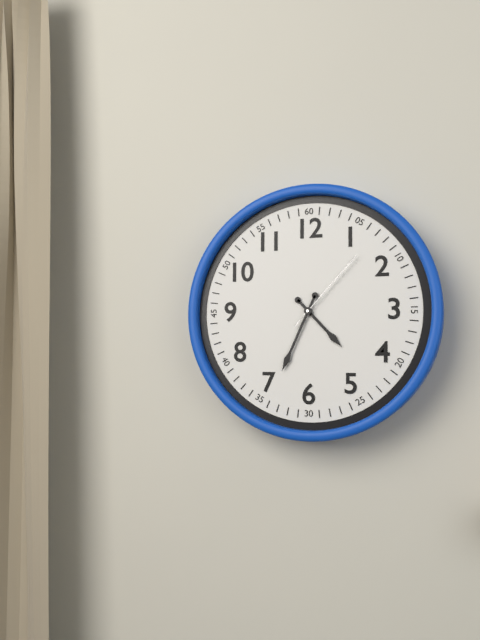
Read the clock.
4:34:07
